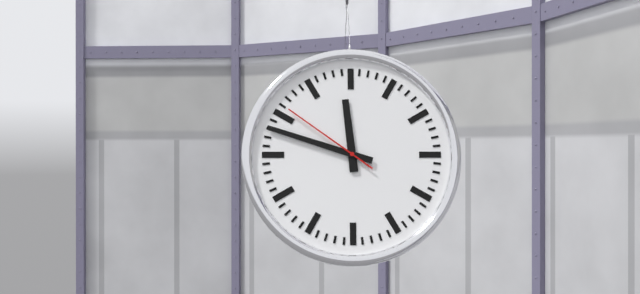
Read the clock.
11:48:51
